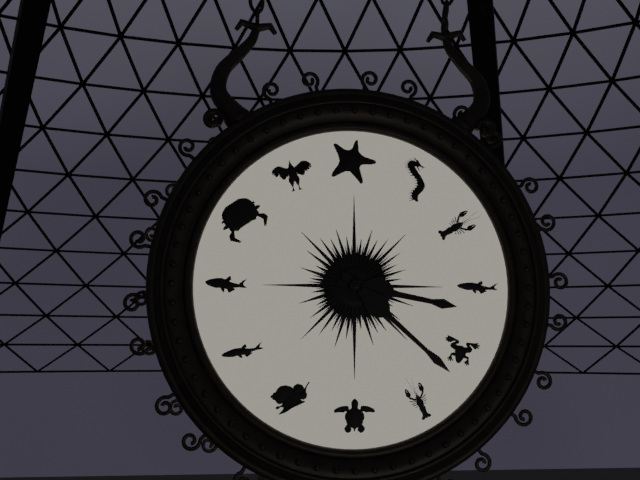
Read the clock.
3:22
